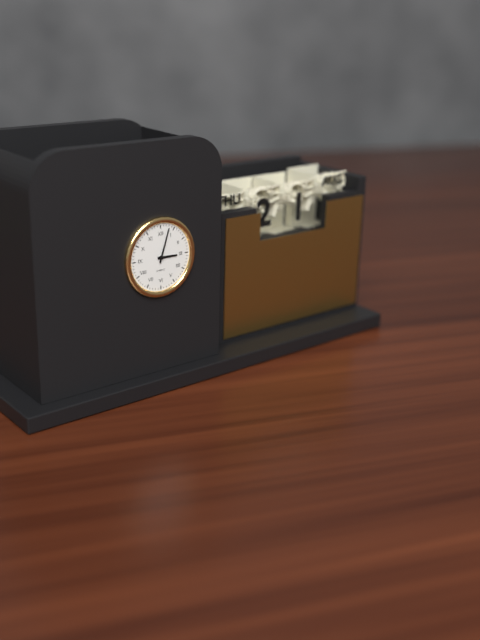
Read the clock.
3:03
